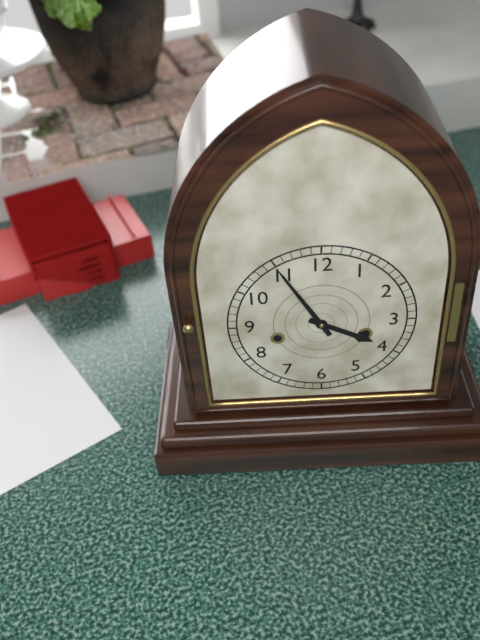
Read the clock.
3:55
